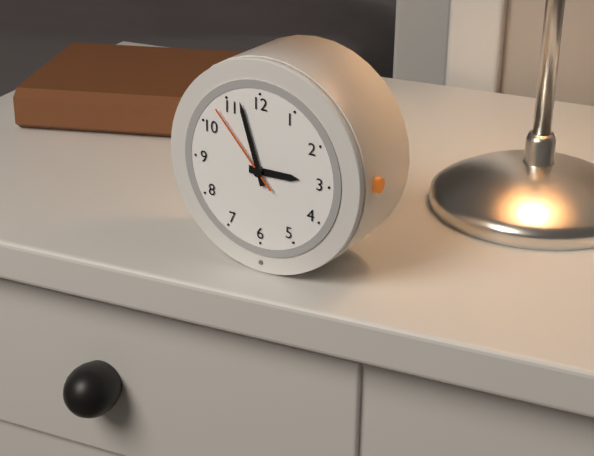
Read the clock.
2:57:53
